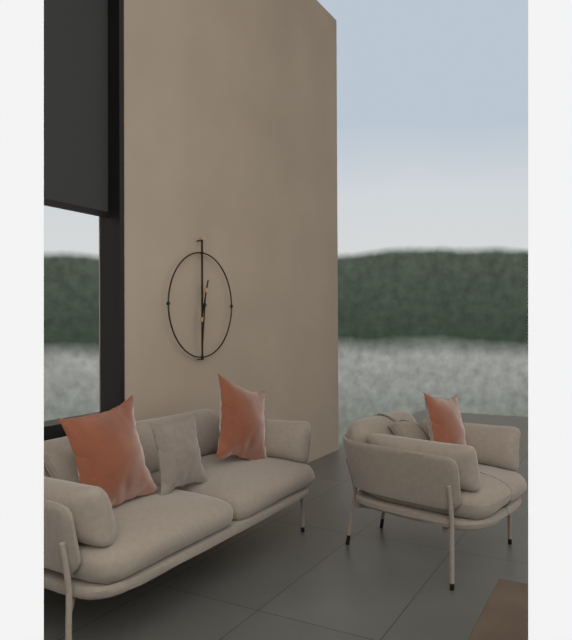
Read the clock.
12:31
